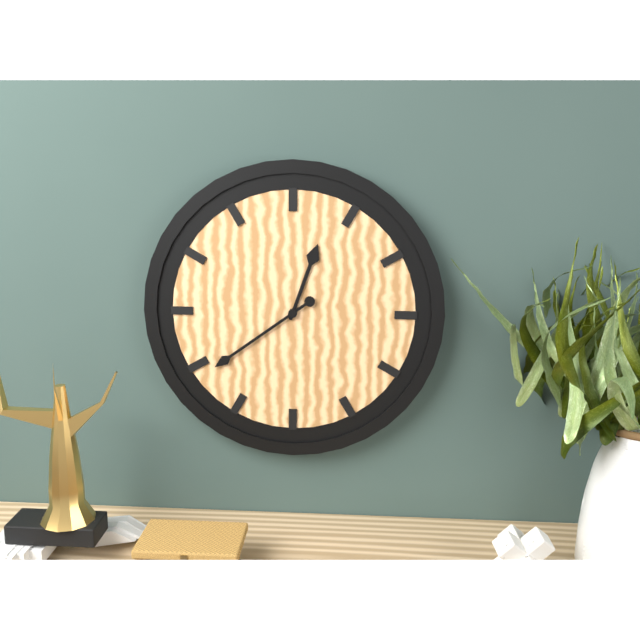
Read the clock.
12:39
